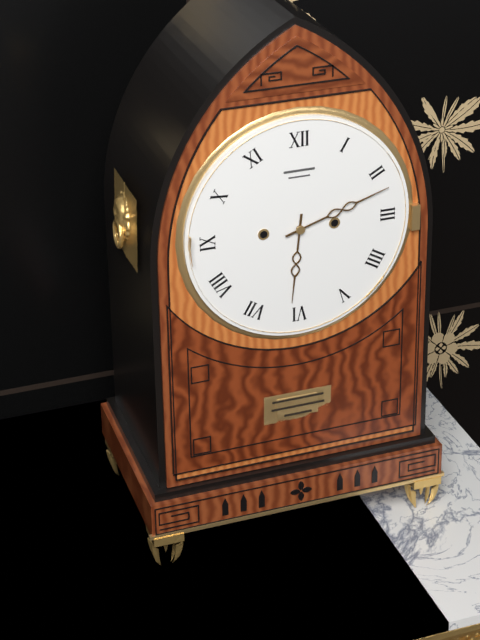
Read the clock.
6:12
